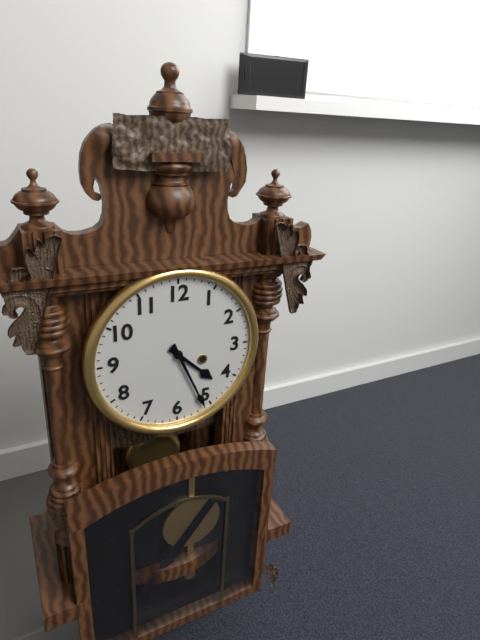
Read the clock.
4:26
